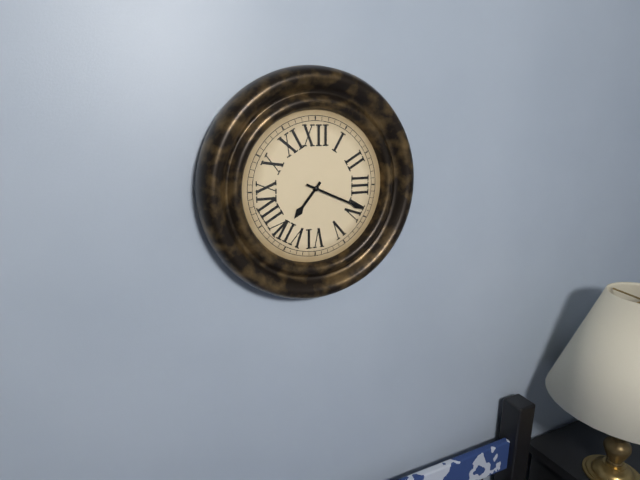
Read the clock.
7:19
